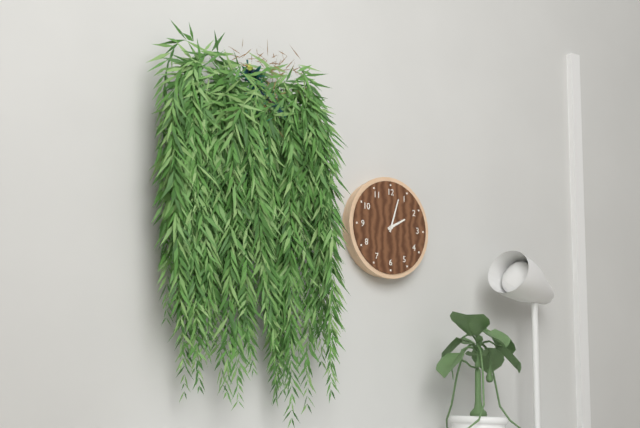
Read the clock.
2:03
